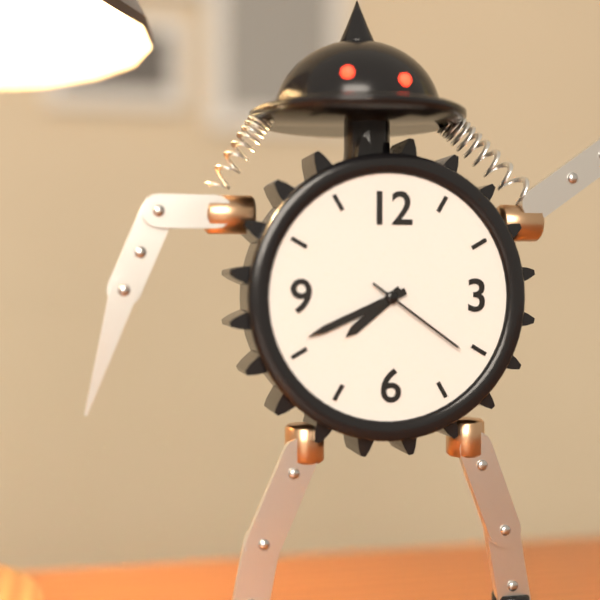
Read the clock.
7:41:21
